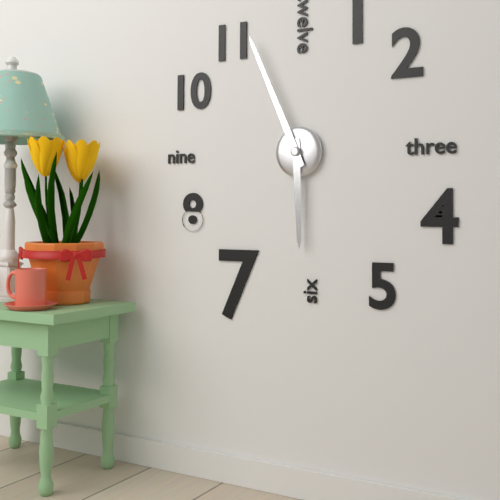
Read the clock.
5:56
